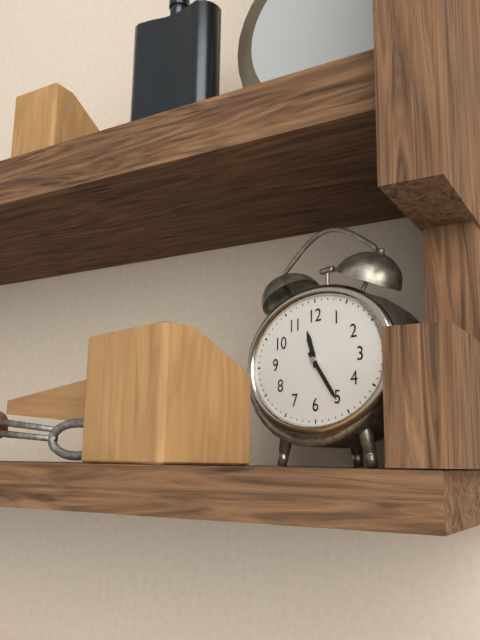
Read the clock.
11:24
